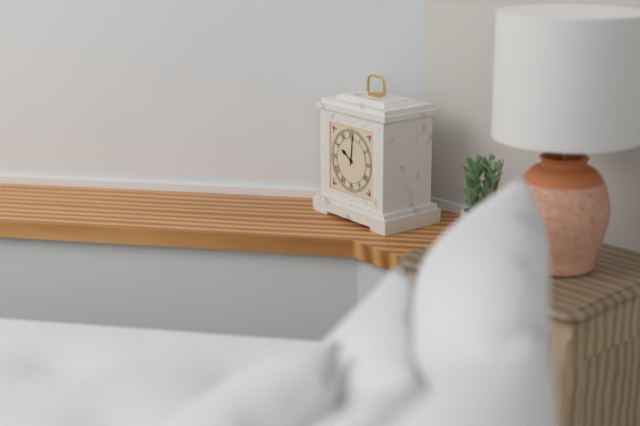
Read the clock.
10:01
